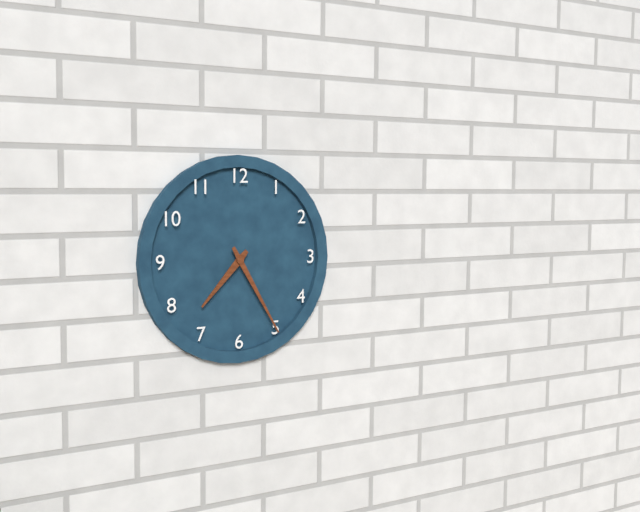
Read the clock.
7:25
